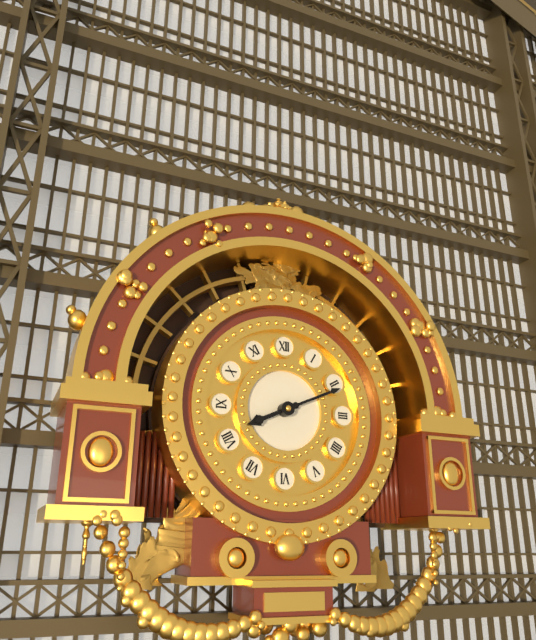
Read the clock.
8:11
